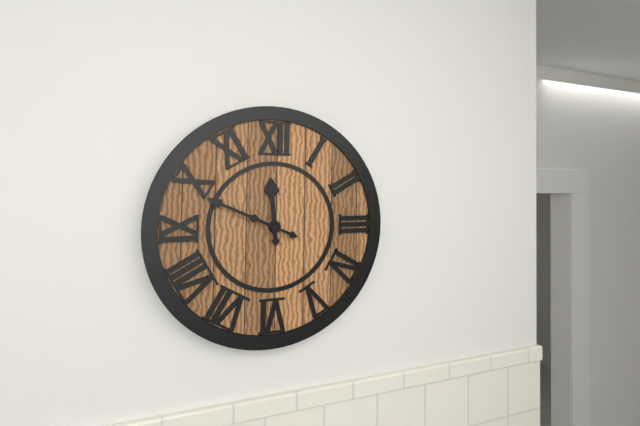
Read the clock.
11:49
